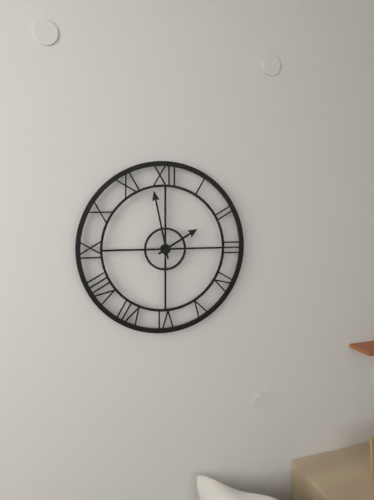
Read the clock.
1:58
